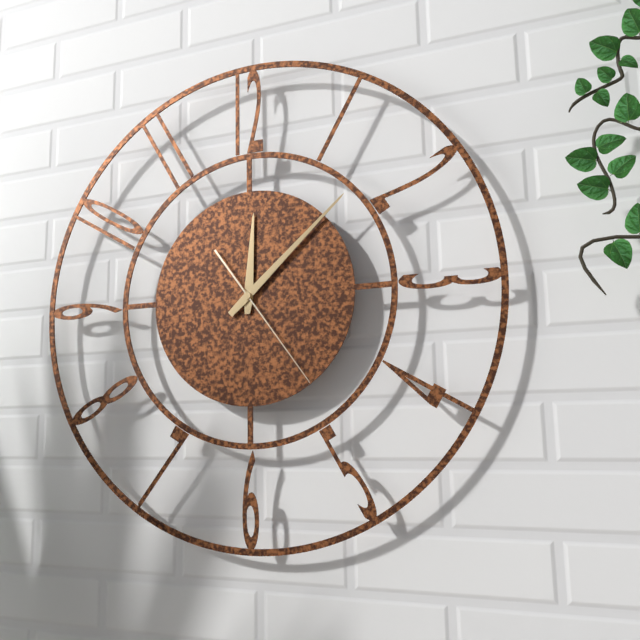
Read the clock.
12:08:24
